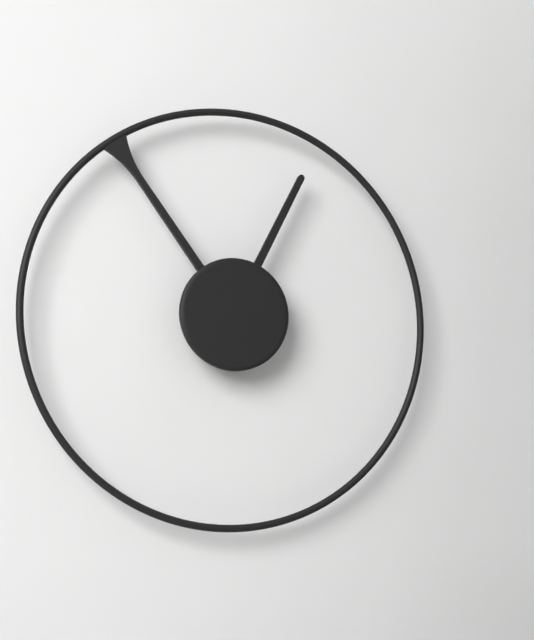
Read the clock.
12:54
